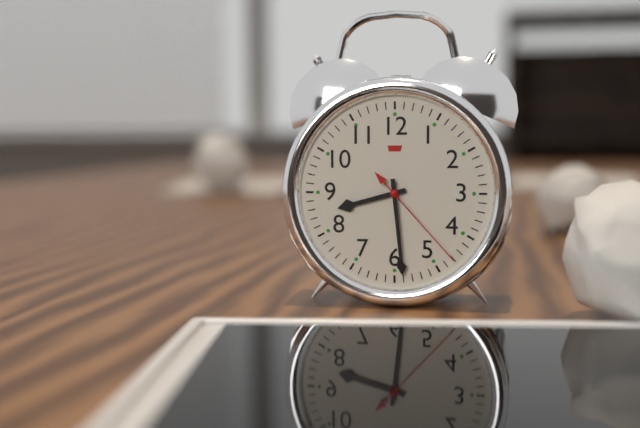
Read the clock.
8:29:23
